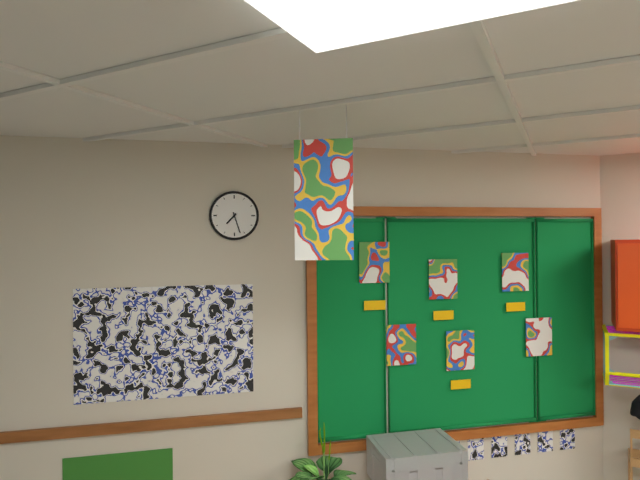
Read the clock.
7:27
